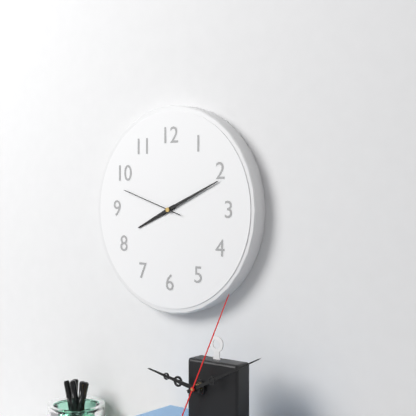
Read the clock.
8:11:48
